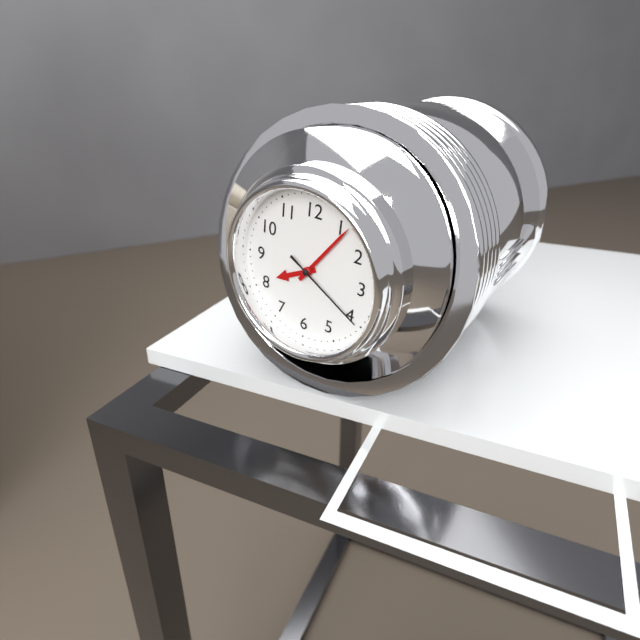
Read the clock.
8:06:20
